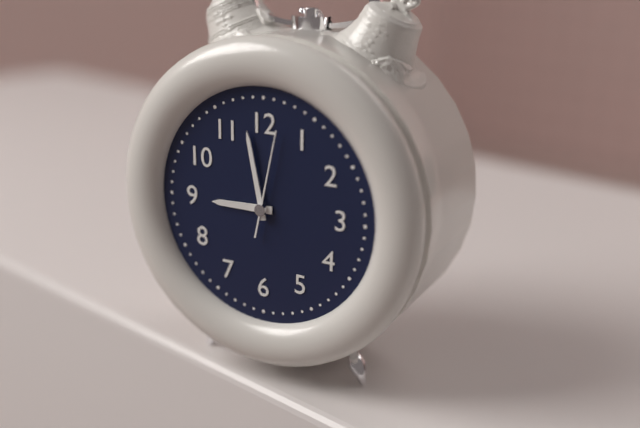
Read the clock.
8:58:02
